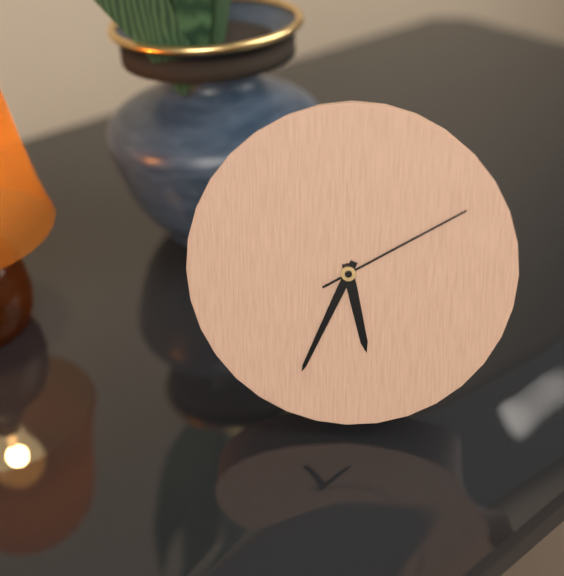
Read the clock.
5:34:10
